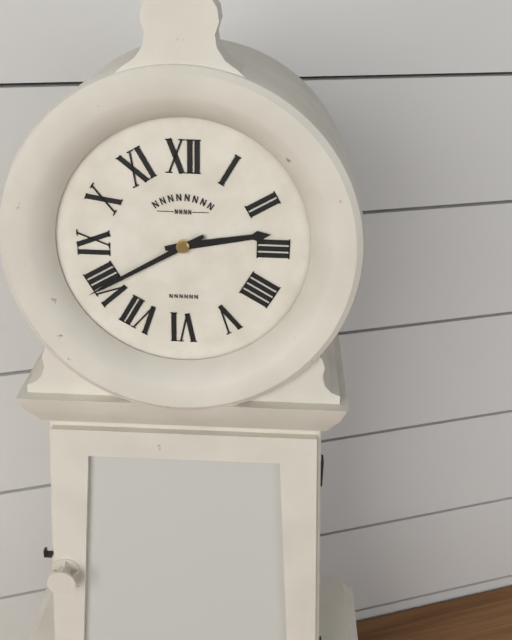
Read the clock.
2:40
